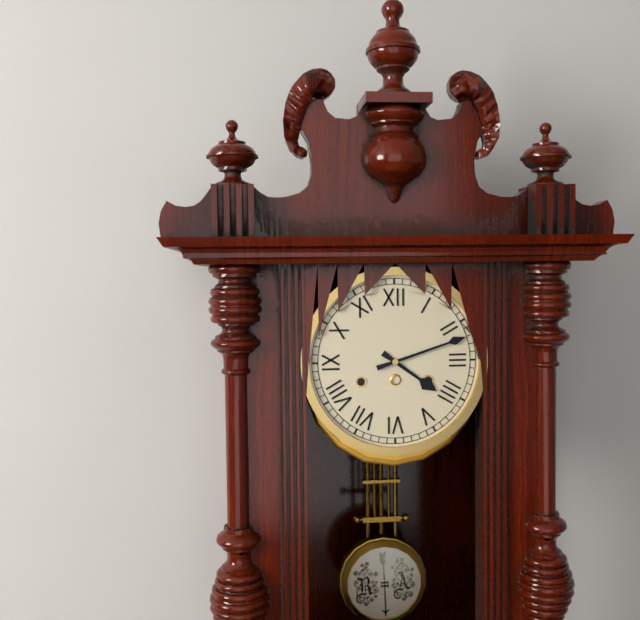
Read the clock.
4:12
